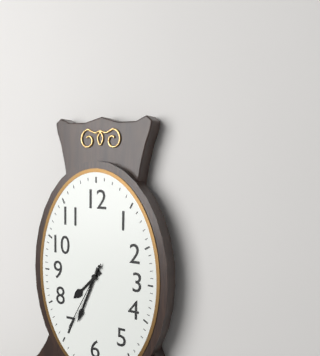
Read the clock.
7:34:35
